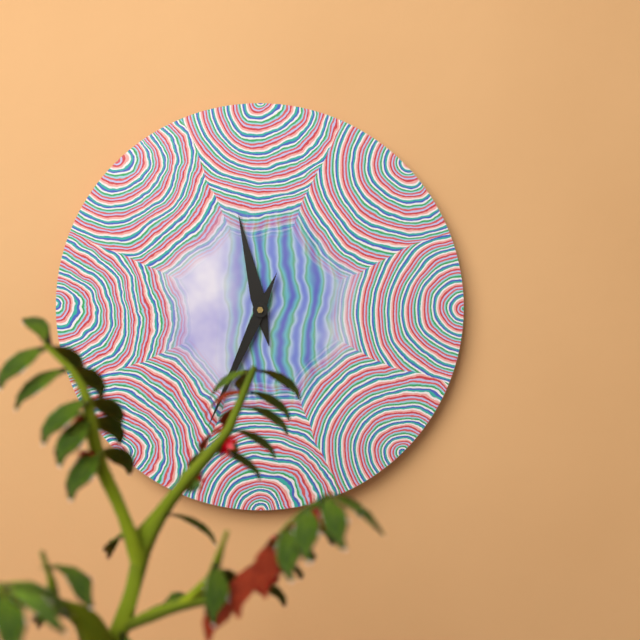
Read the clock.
11:34
